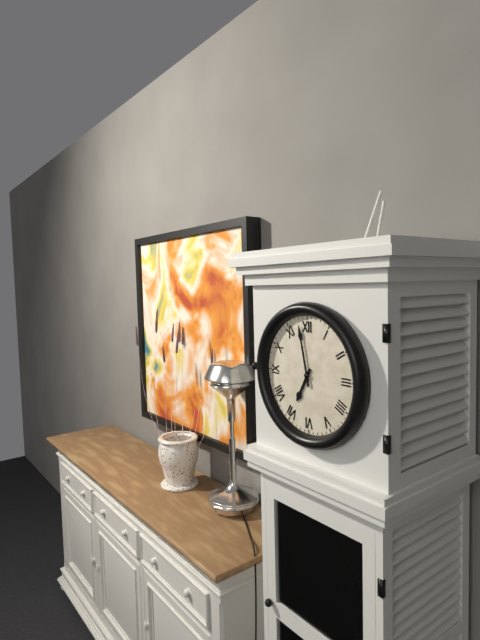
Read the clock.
6:58
